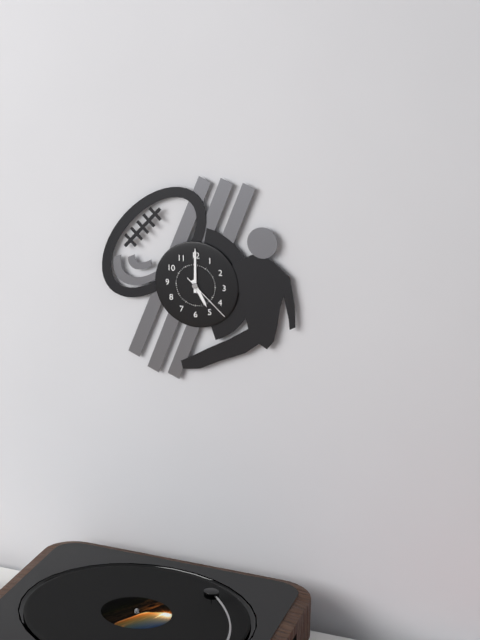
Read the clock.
5:00:22
